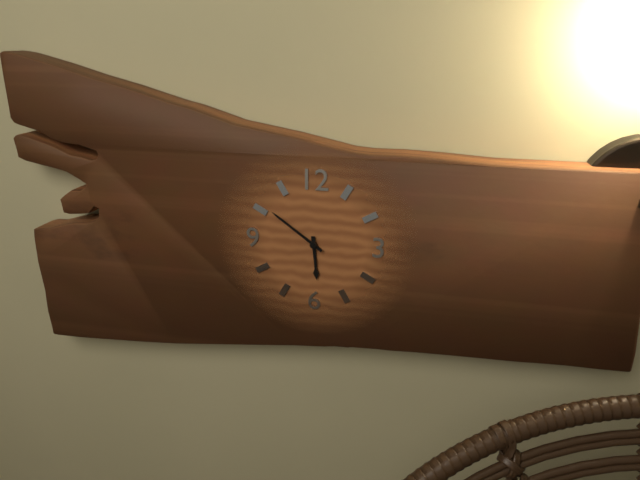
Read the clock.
5:51
